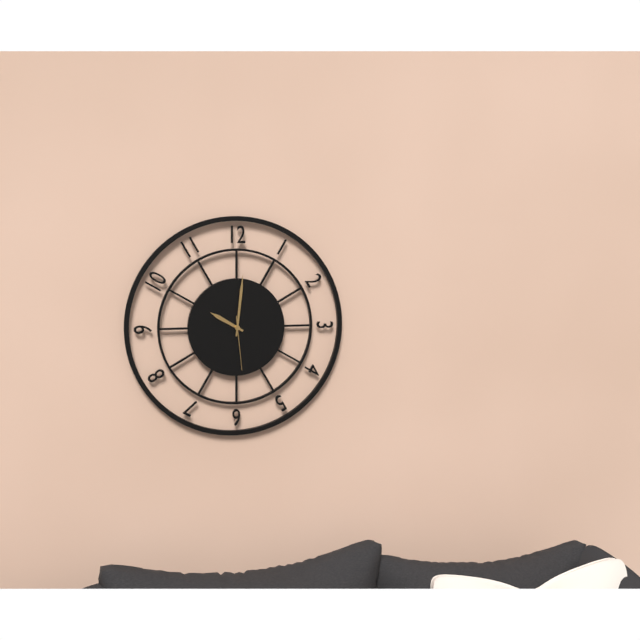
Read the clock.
10:01:29
